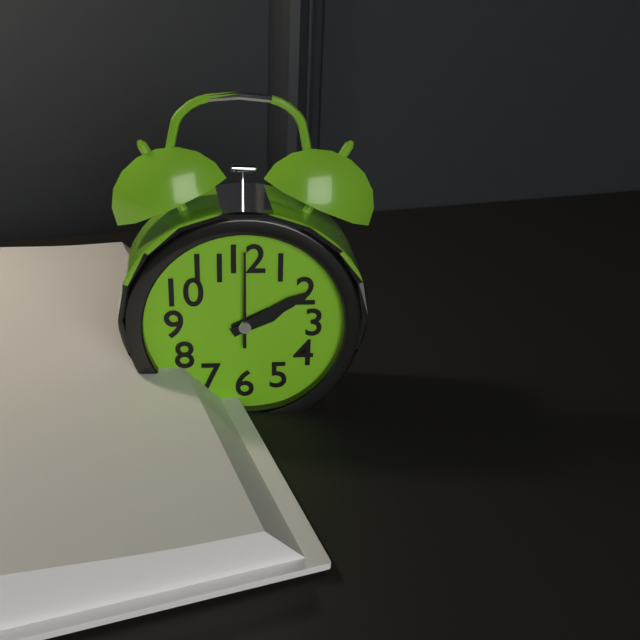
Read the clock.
2:10:00
